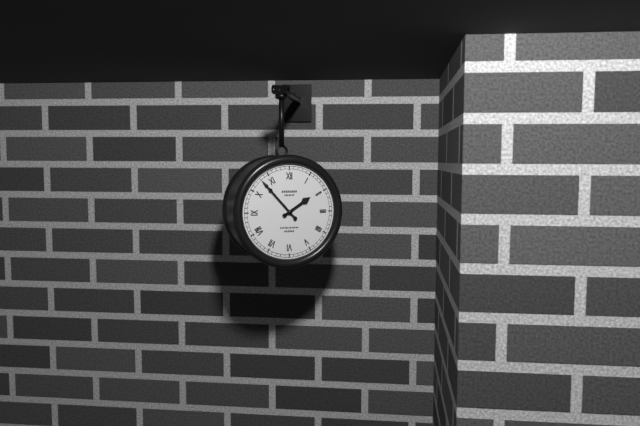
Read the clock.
1:53
